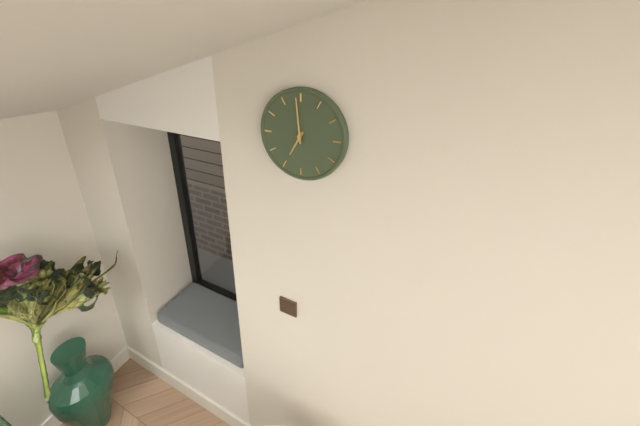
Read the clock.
6:59
